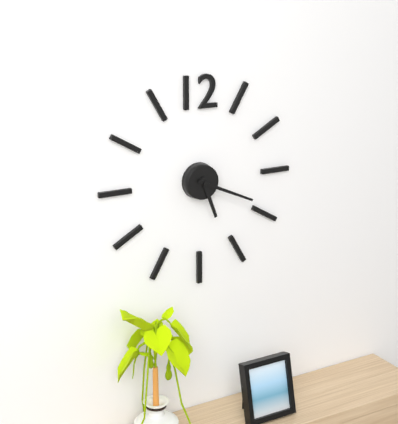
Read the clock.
5:19
